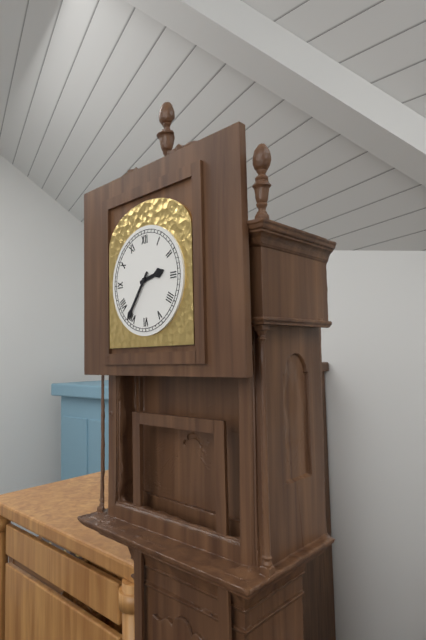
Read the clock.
2:36
